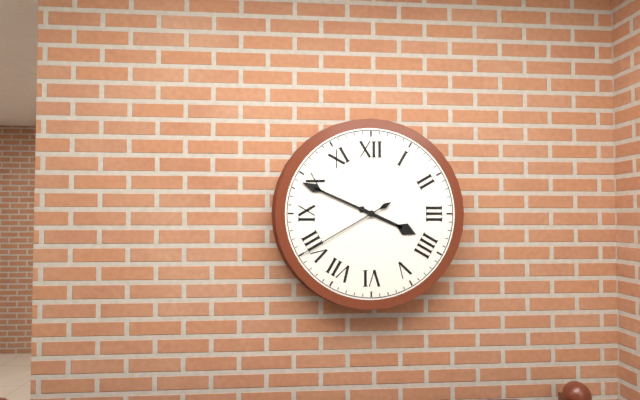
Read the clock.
3:49:40
